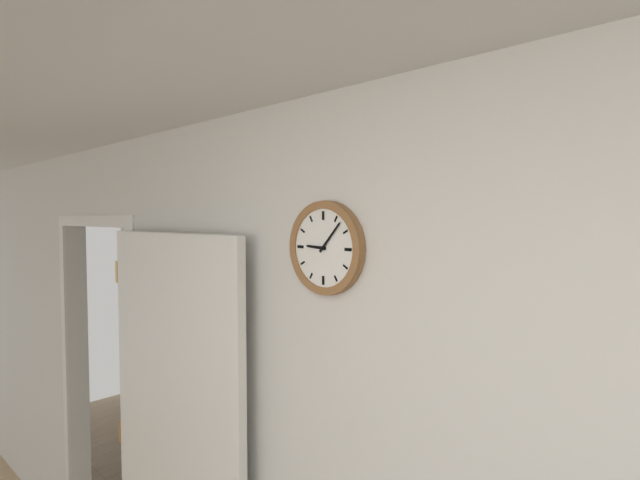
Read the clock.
9:07
